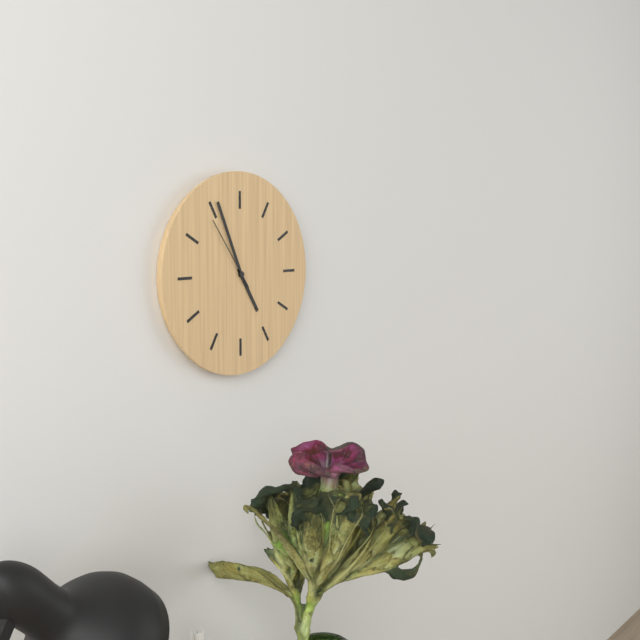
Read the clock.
4:56:54
